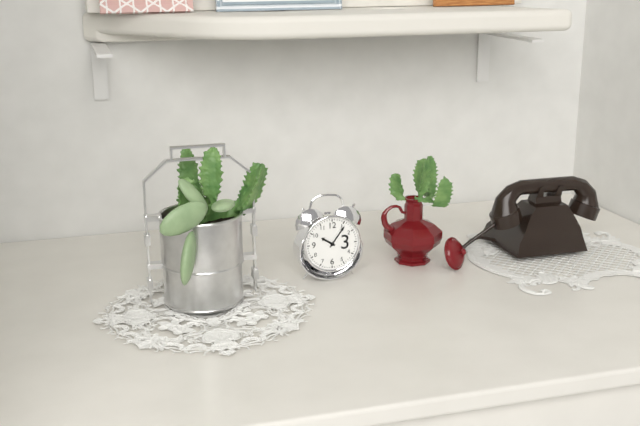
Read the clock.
10:06
